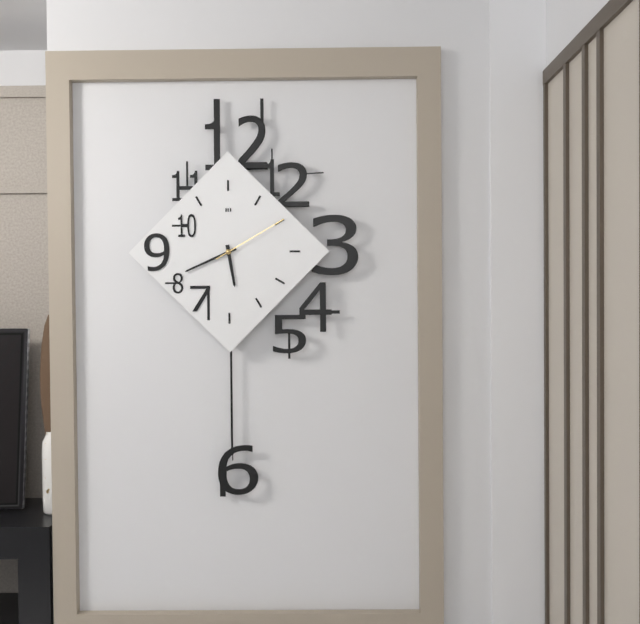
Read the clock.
5:41:10
